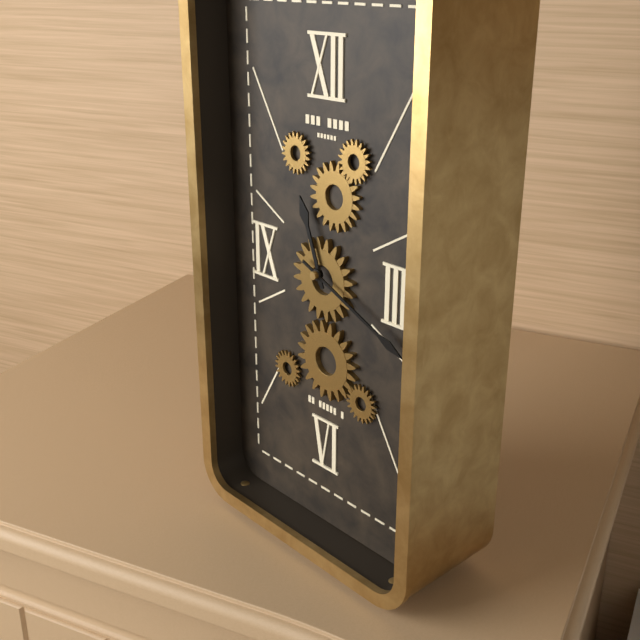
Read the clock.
11:19
